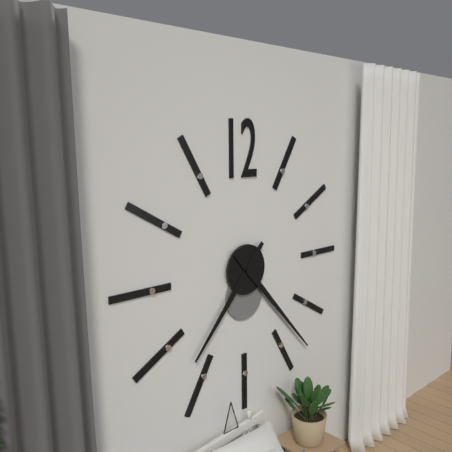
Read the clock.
7:23
